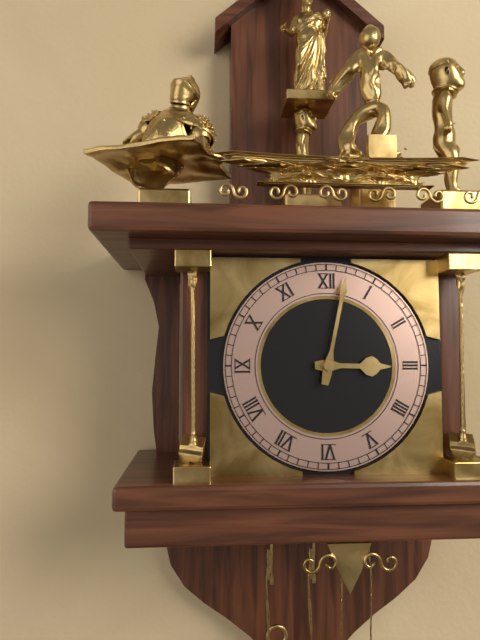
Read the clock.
3:02
